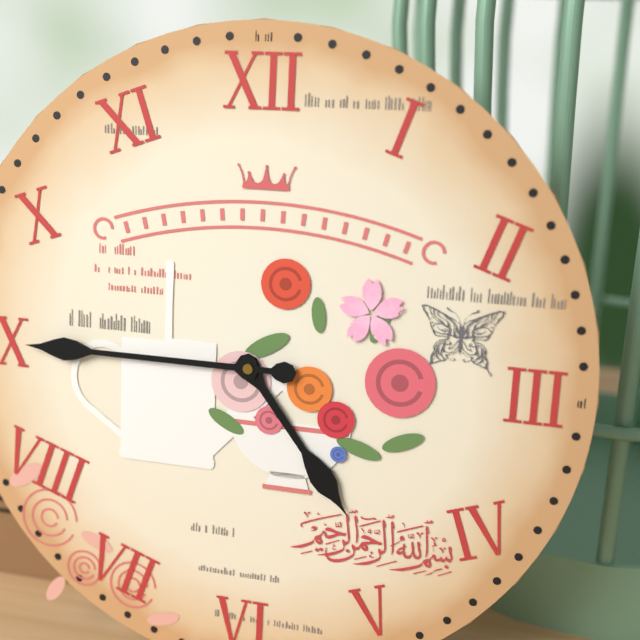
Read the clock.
4:45
